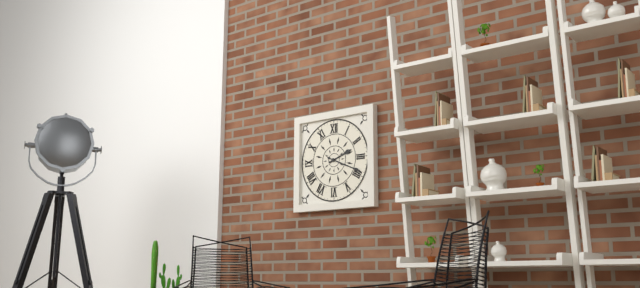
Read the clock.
2:19
